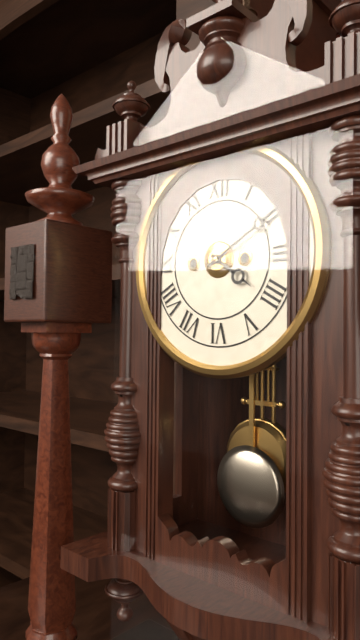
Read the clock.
4:10
